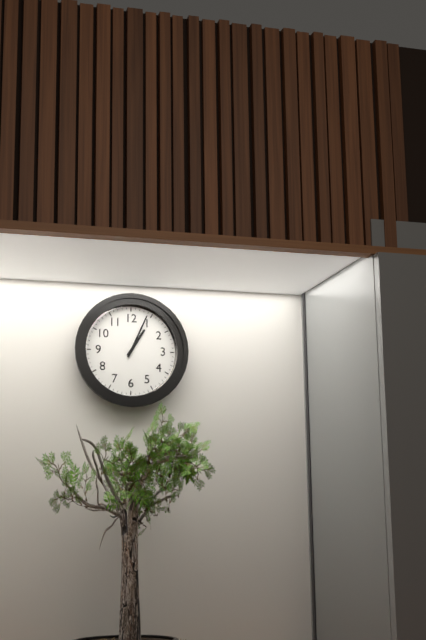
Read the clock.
1:04
